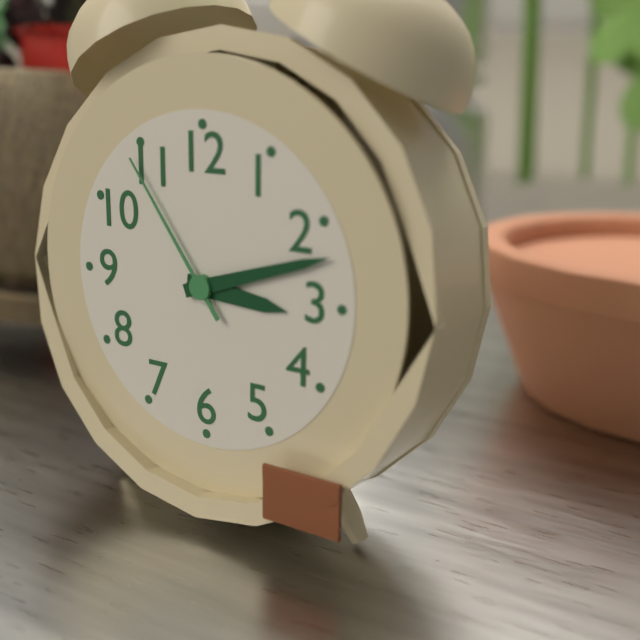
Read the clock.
3:12:54
